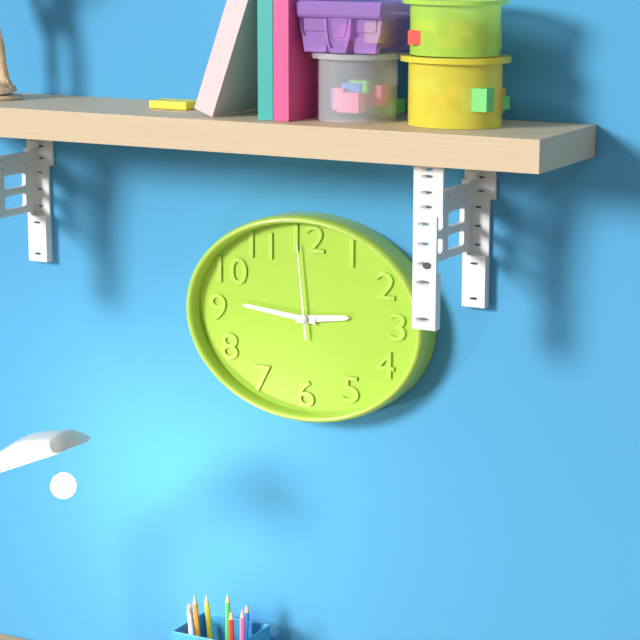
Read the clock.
2:46:59
